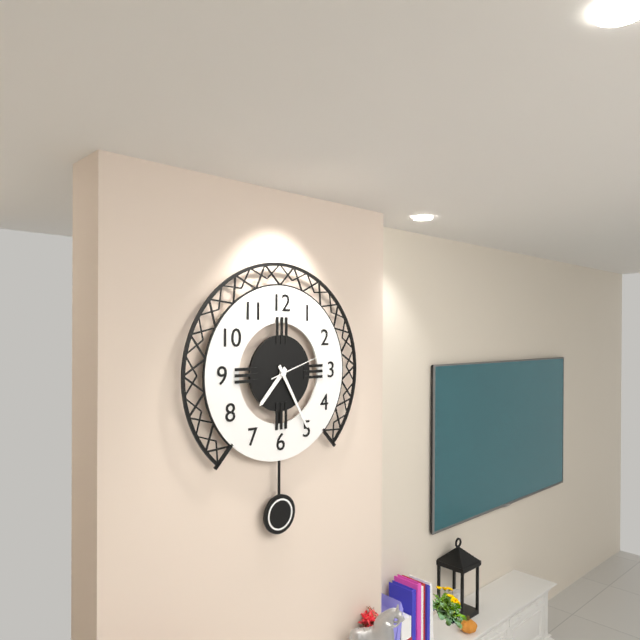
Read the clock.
7:25:12
